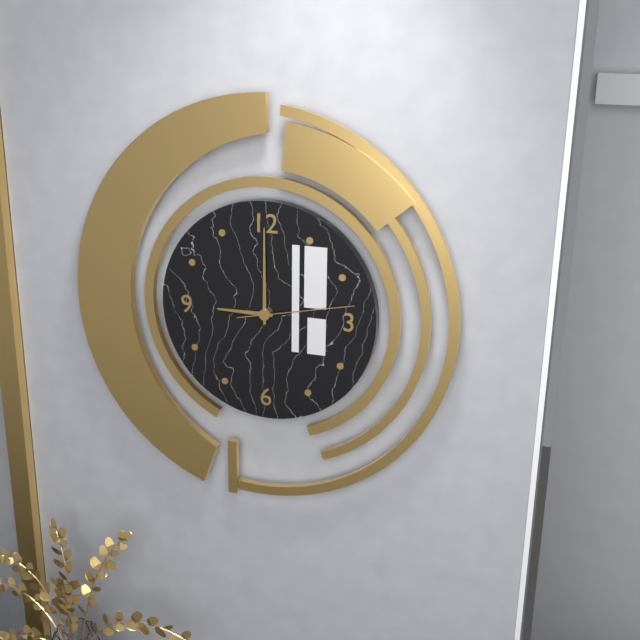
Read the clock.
9:00:13
